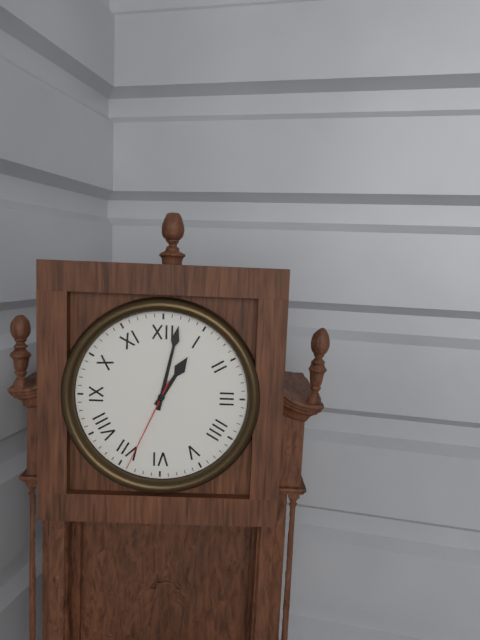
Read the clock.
1:02:34
